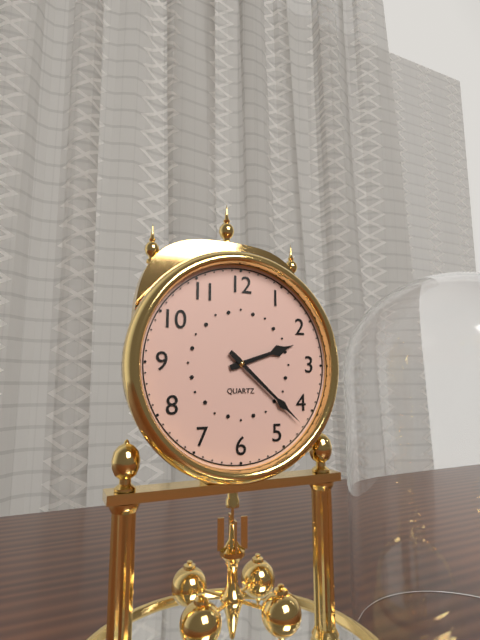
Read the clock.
2:22
